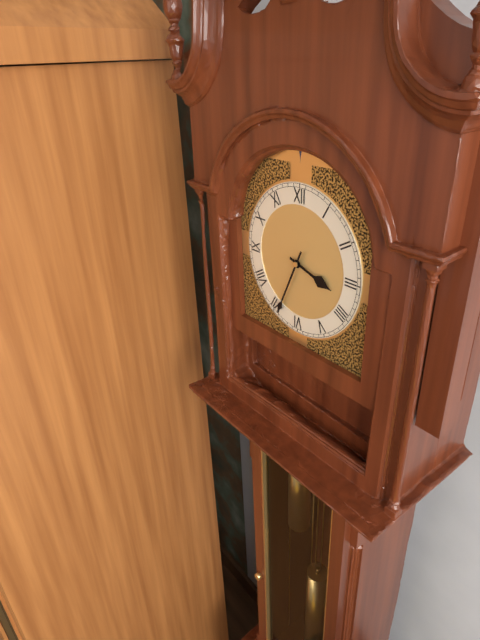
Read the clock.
3:34
